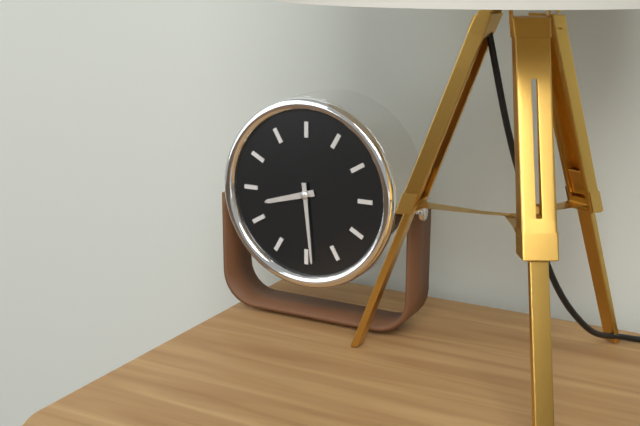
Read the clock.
8:29
